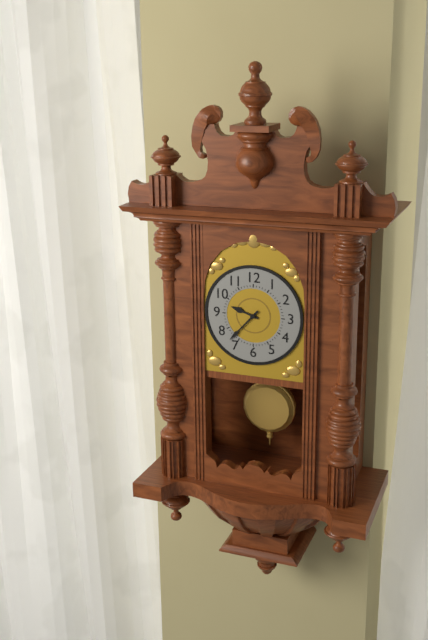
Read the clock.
9:37
